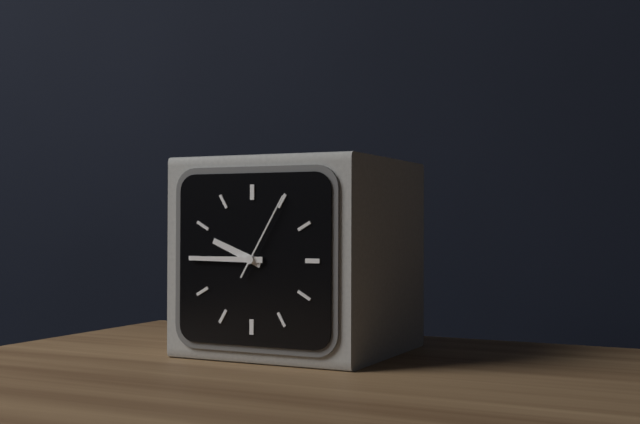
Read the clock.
9:45:05
